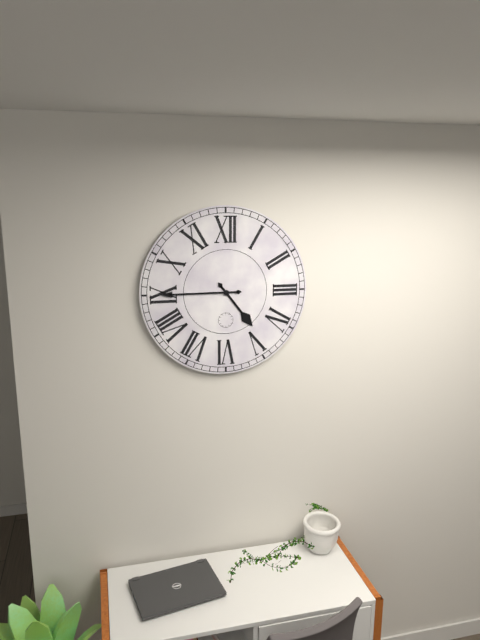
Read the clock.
4:45
